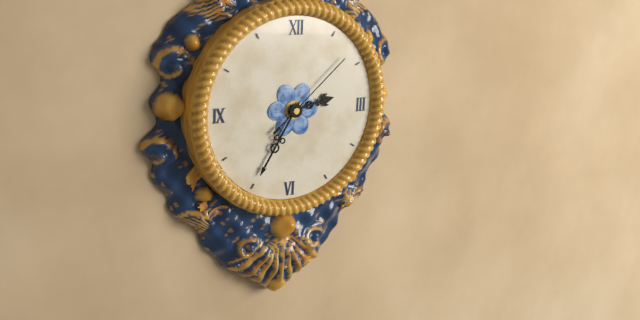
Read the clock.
2:35:08
